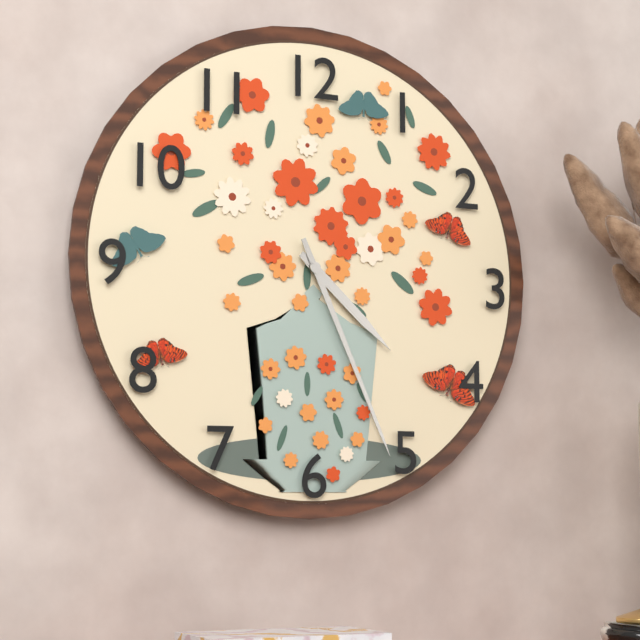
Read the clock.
4:26
